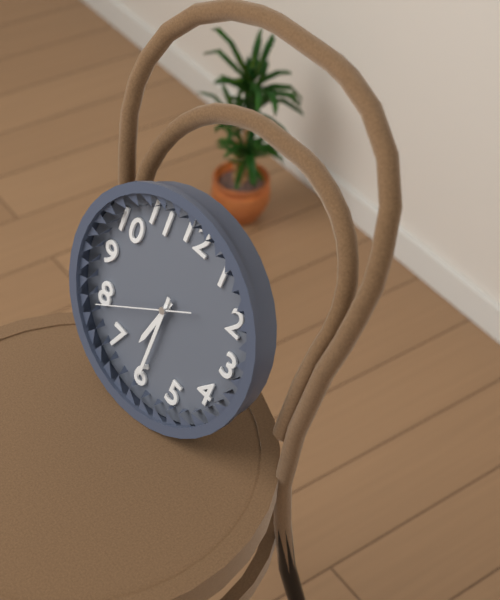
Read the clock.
6:30:39
